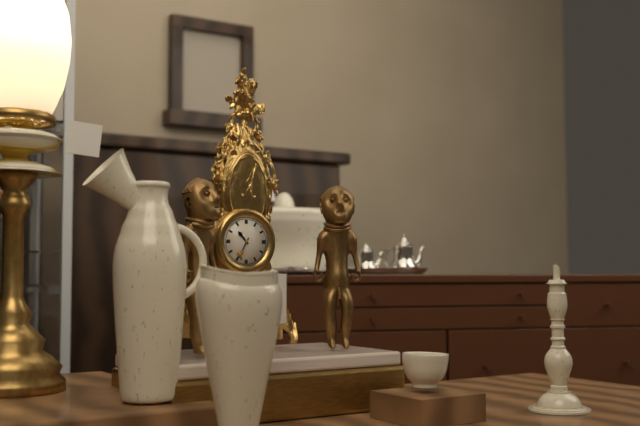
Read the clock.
10:35
